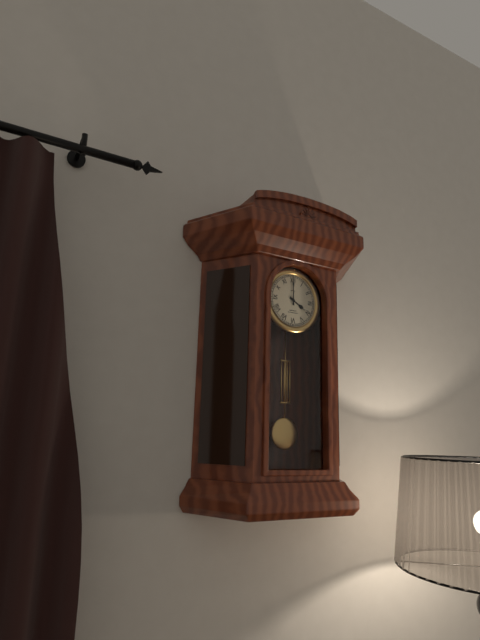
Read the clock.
4:00
